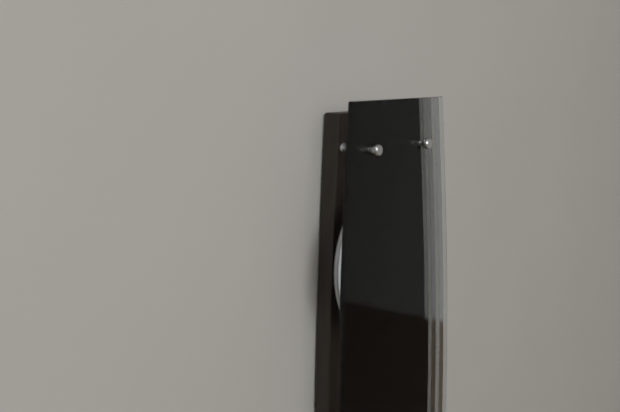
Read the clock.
10:44
